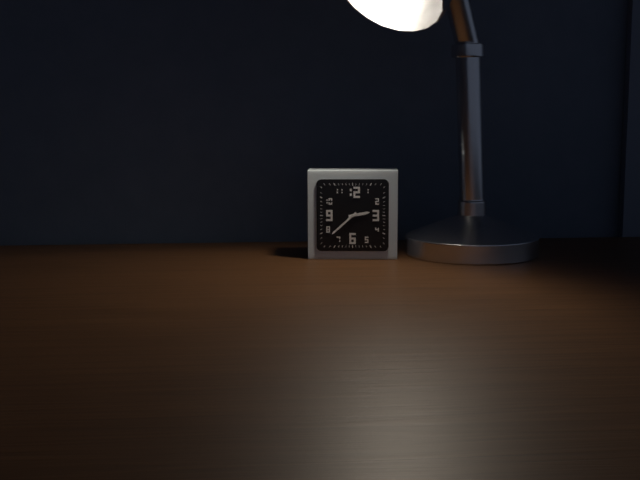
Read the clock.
2:38
